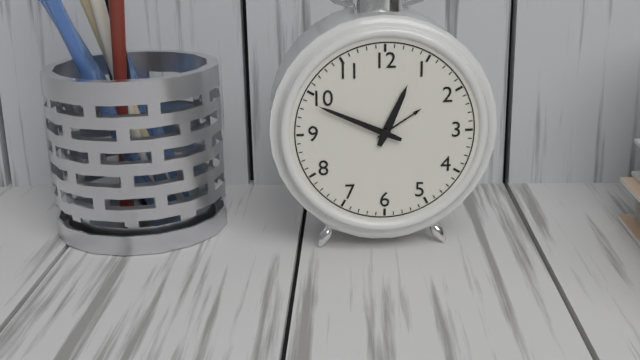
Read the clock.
12:49
